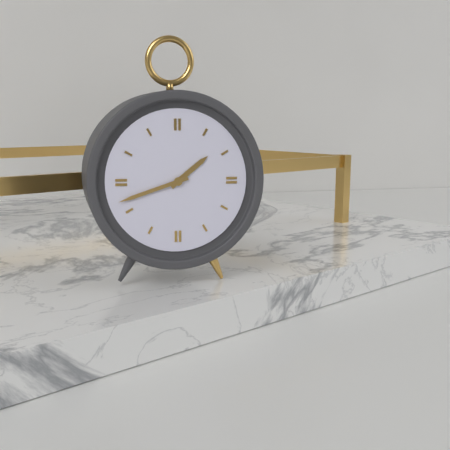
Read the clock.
1:42
